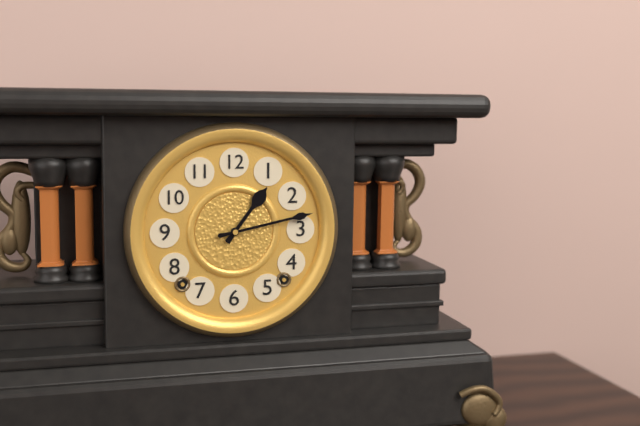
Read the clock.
1:13
